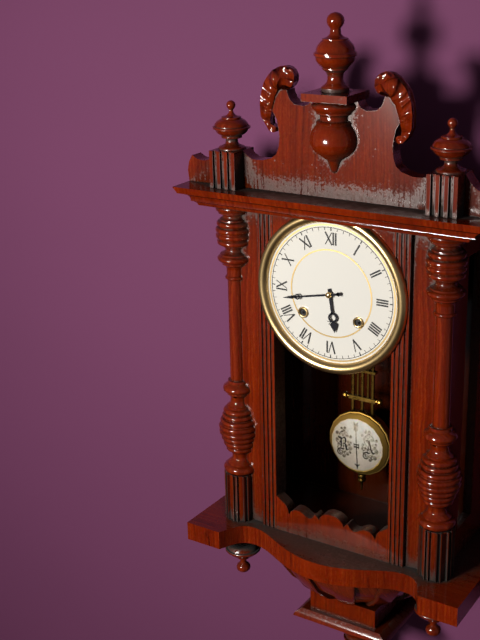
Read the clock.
5:43
